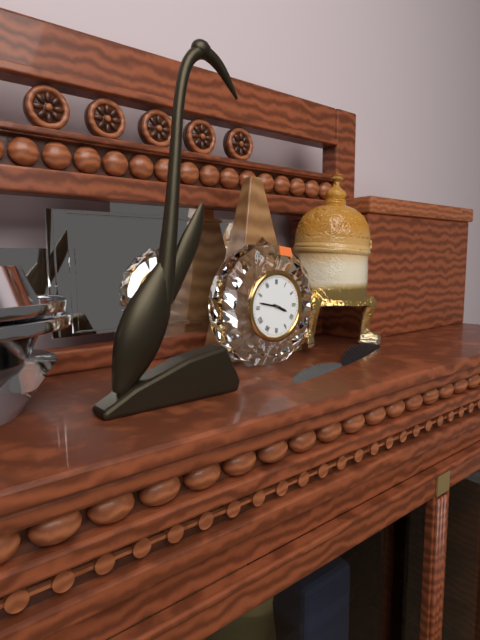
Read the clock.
3:47
